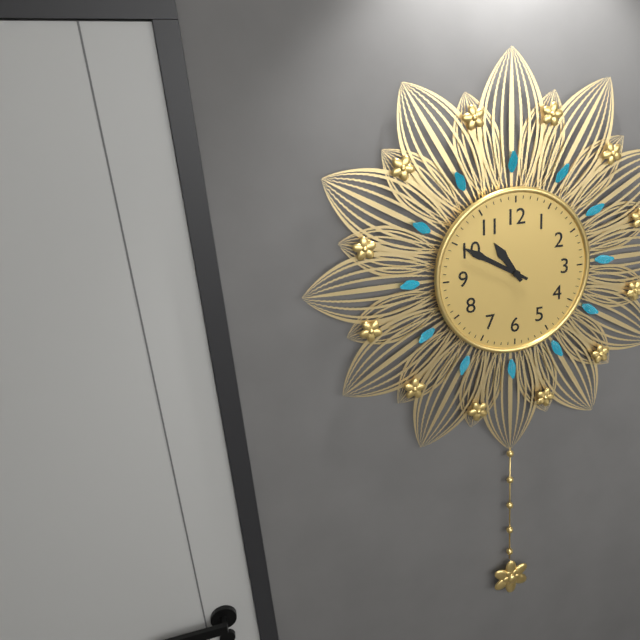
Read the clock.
10:50
